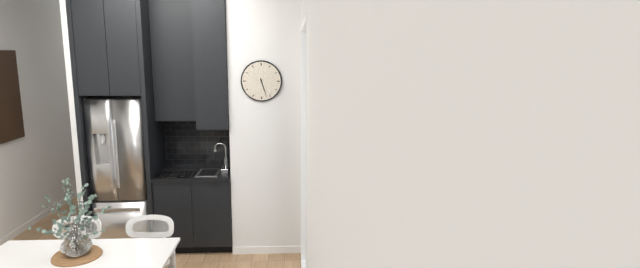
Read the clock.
5:27
